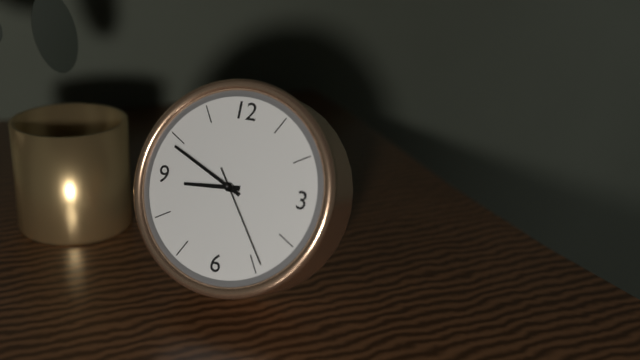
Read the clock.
8:49:24
